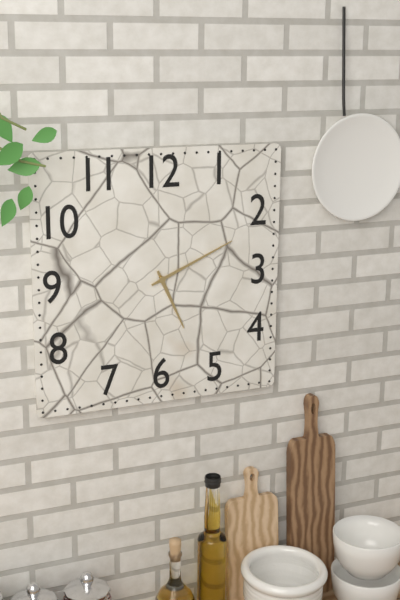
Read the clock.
5:11
